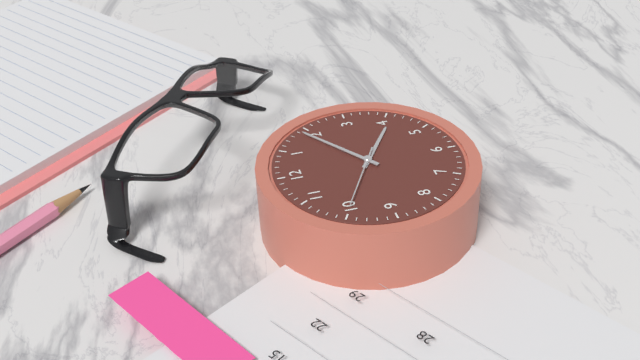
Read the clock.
4:09
